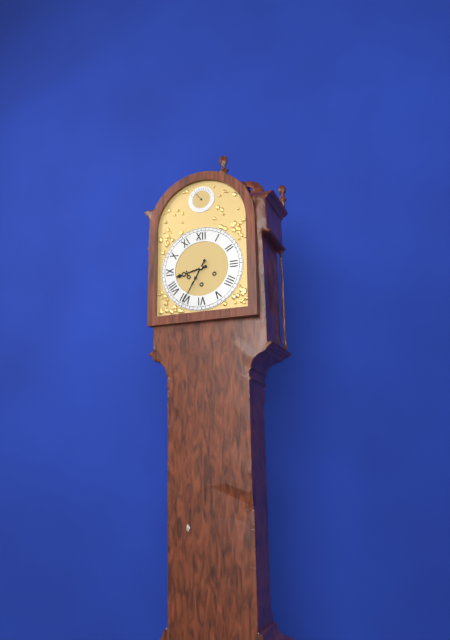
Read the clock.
8:35
